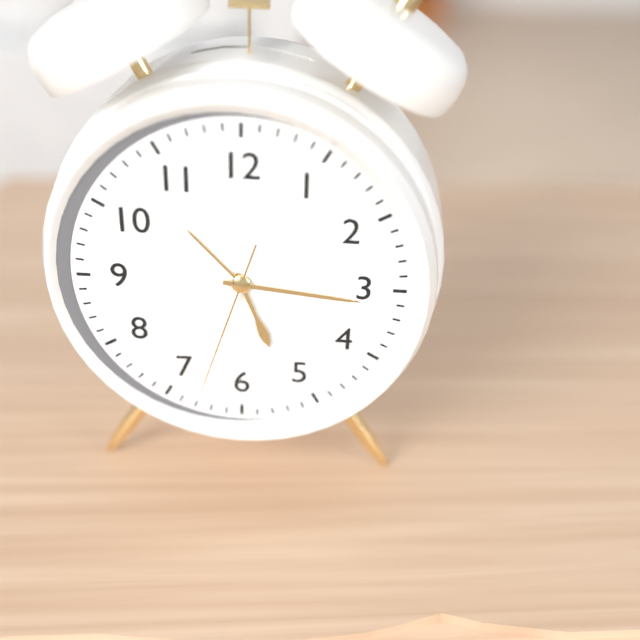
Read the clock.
5:16:33
